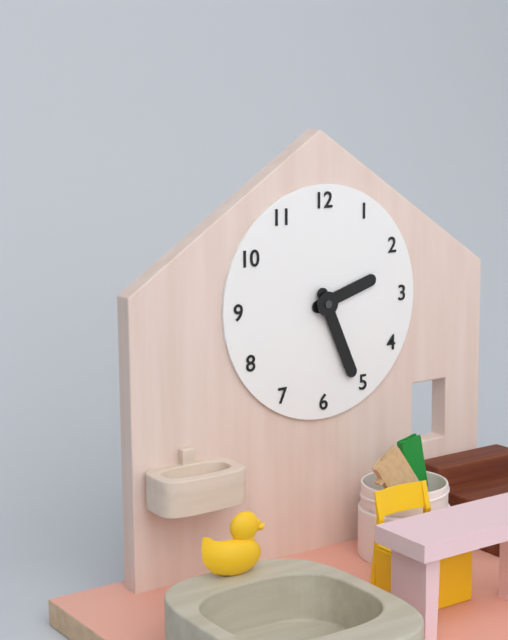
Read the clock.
2:26
